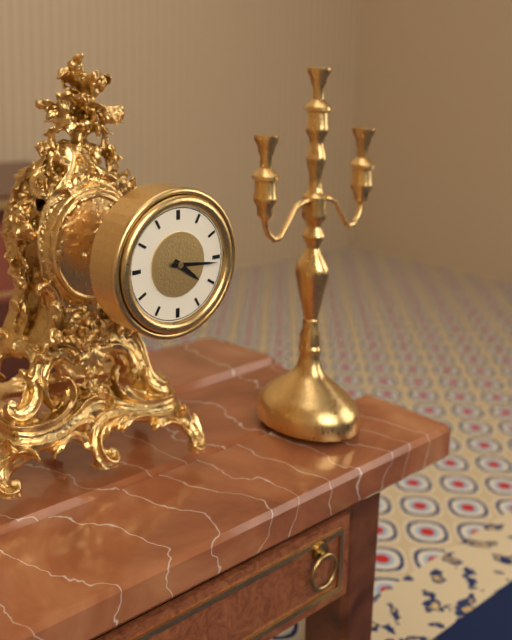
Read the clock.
4:16
